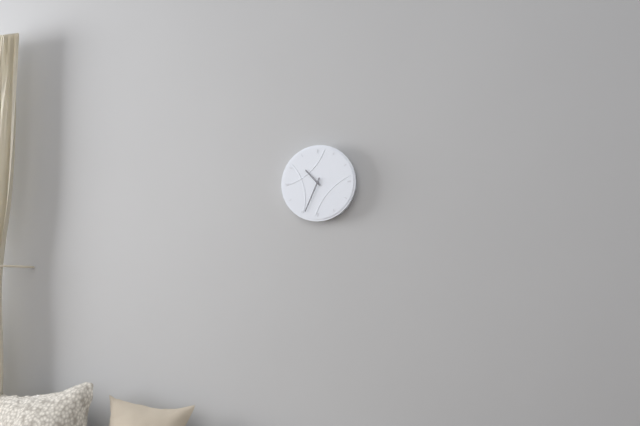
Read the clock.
10:34
